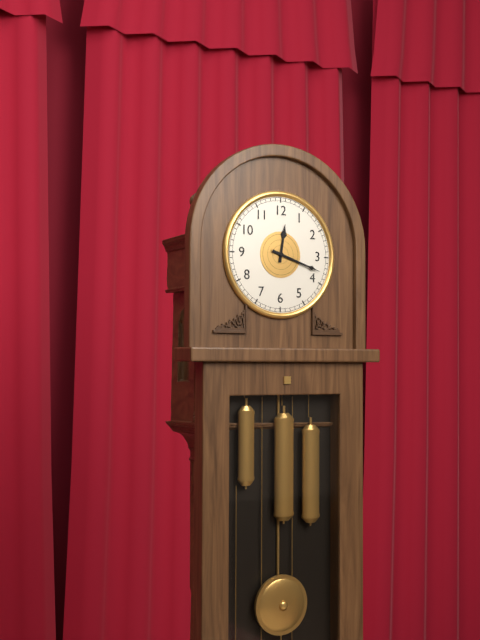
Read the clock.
12:18
